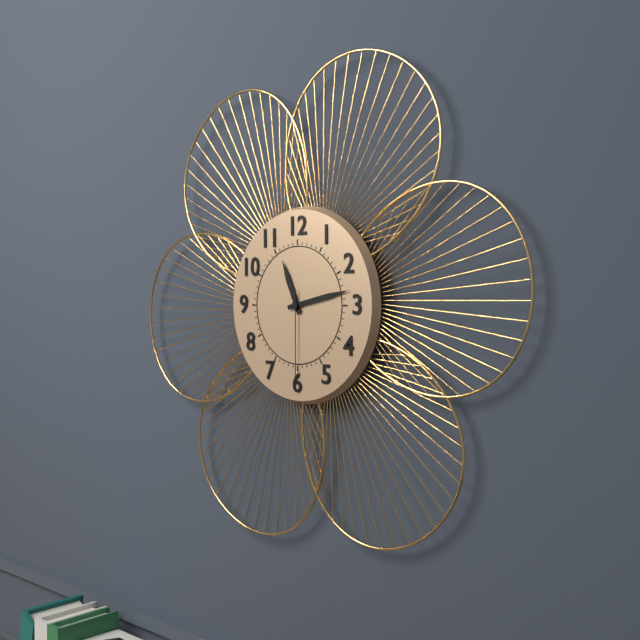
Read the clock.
11:13:30
